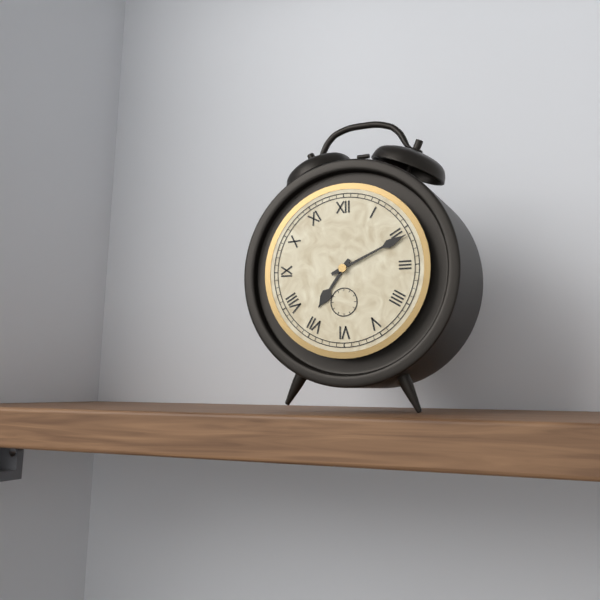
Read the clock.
7:11
